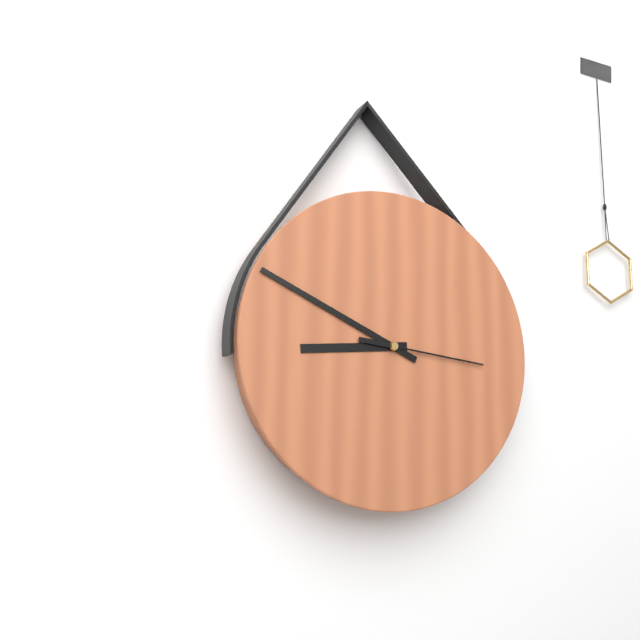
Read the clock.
8:49:16
